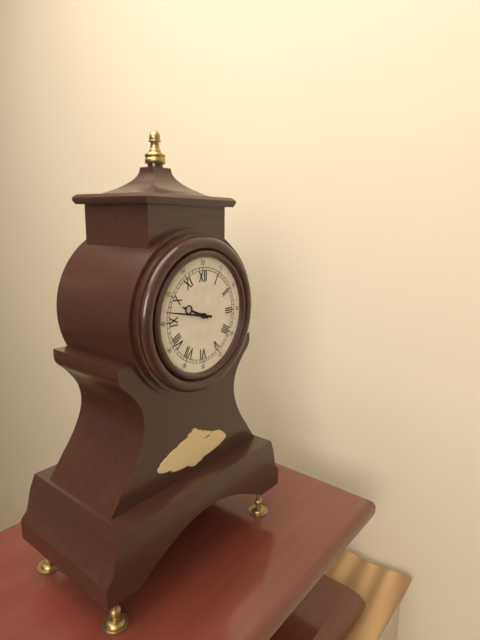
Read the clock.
9:47
